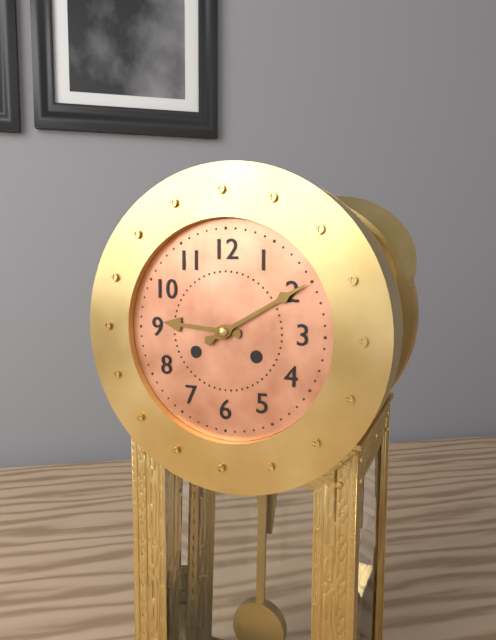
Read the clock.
9:10
